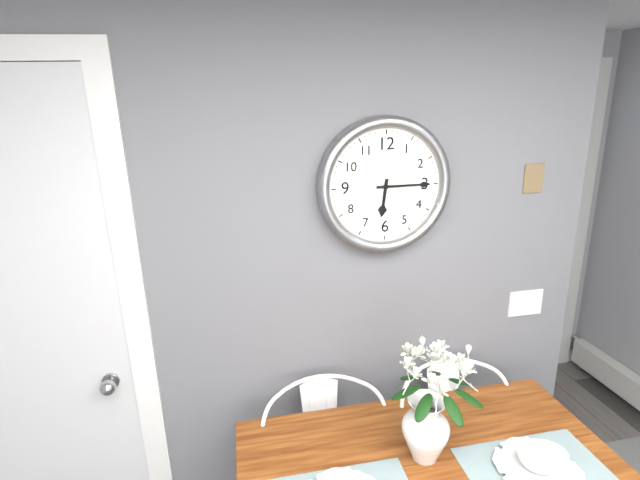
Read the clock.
6:15
